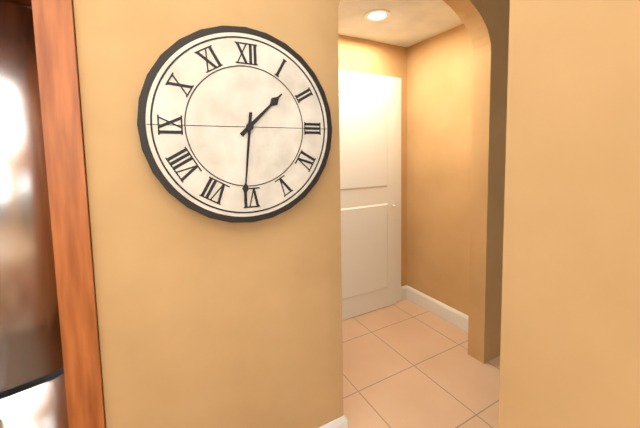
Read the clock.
1:31
